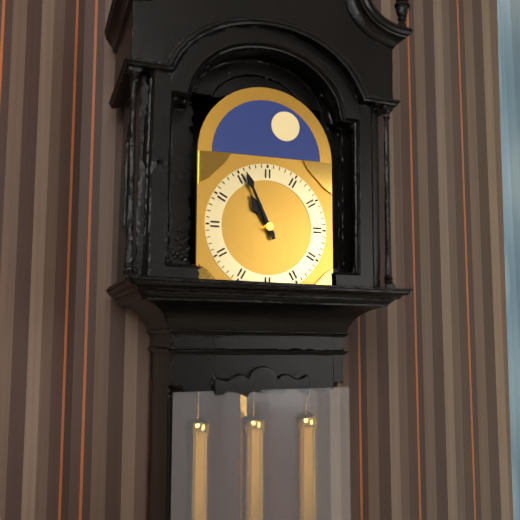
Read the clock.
10:56
